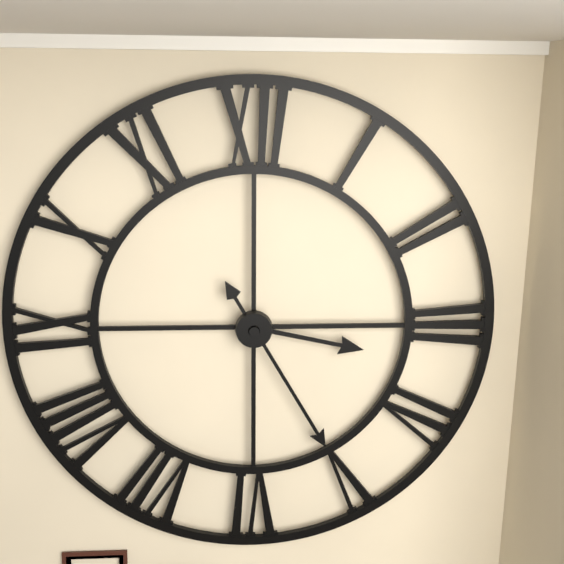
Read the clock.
3:25
